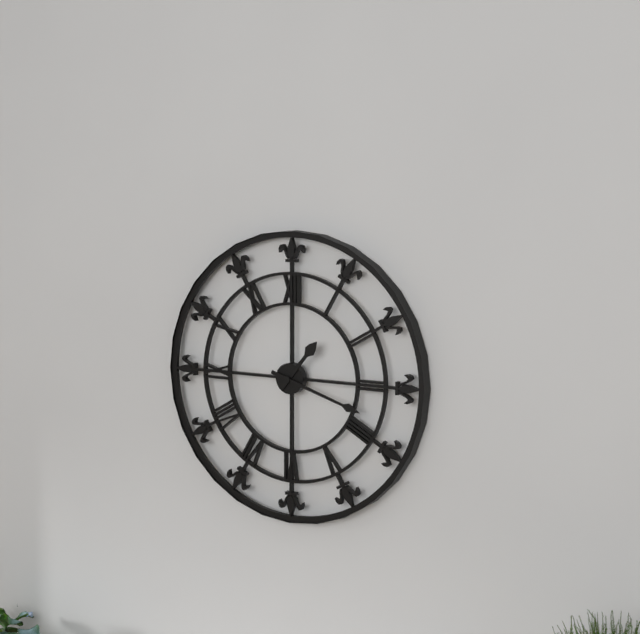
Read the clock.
1:18
